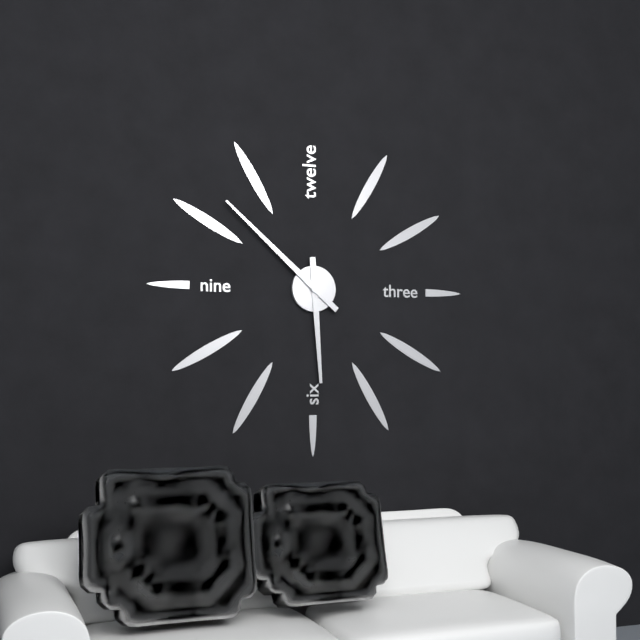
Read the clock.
5:52
